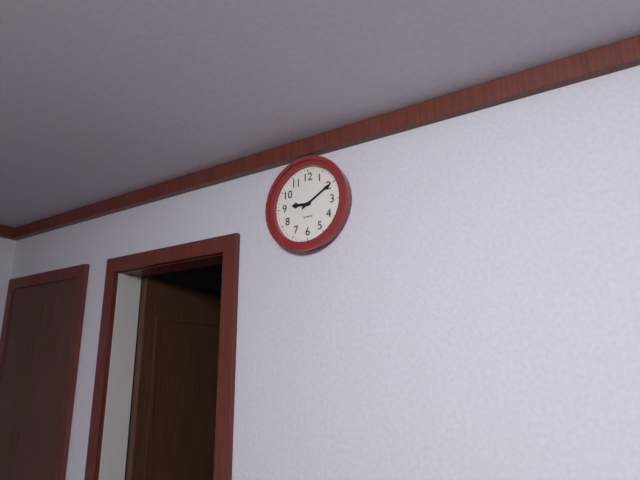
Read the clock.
9:10
